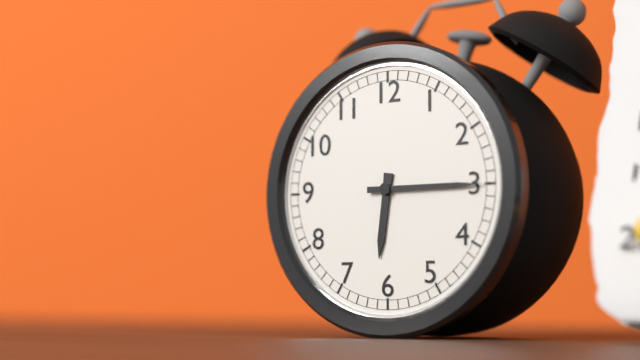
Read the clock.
6:15
